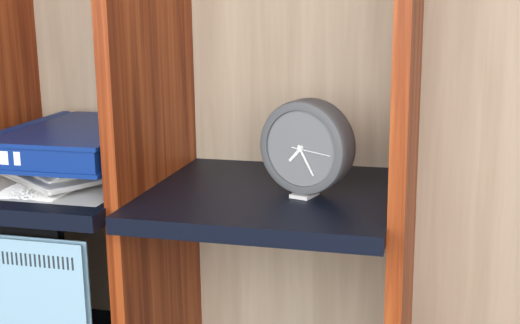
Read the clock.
7:25
